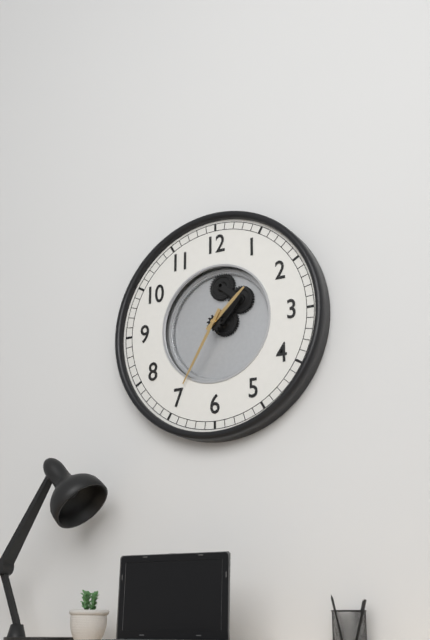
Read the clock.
1:35
